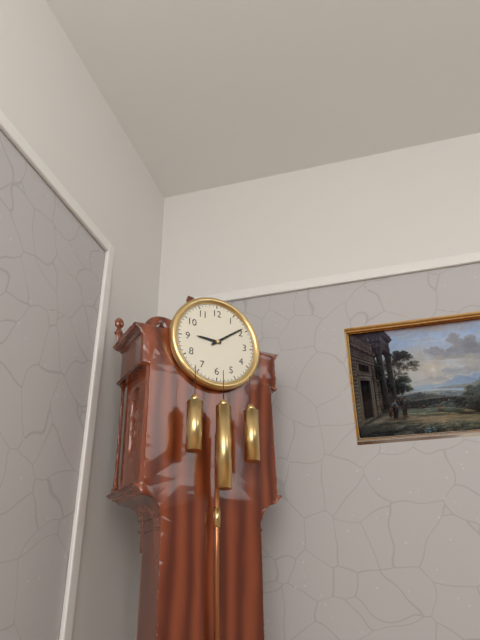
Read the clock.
9:09
